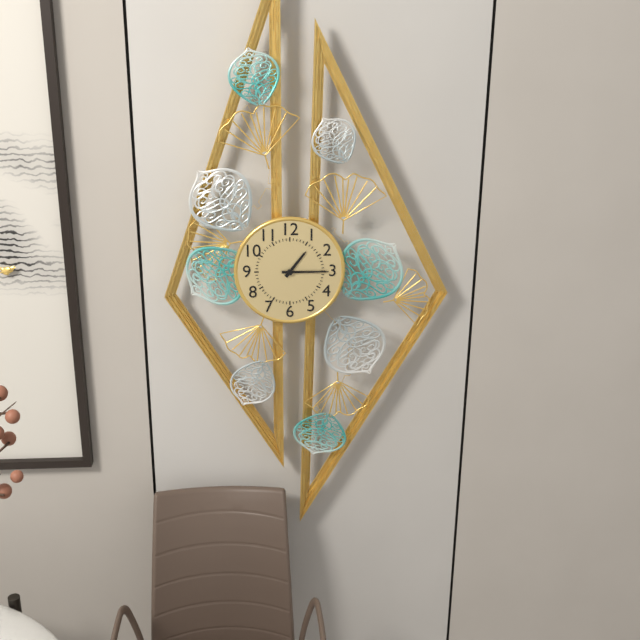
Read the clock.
1:15
